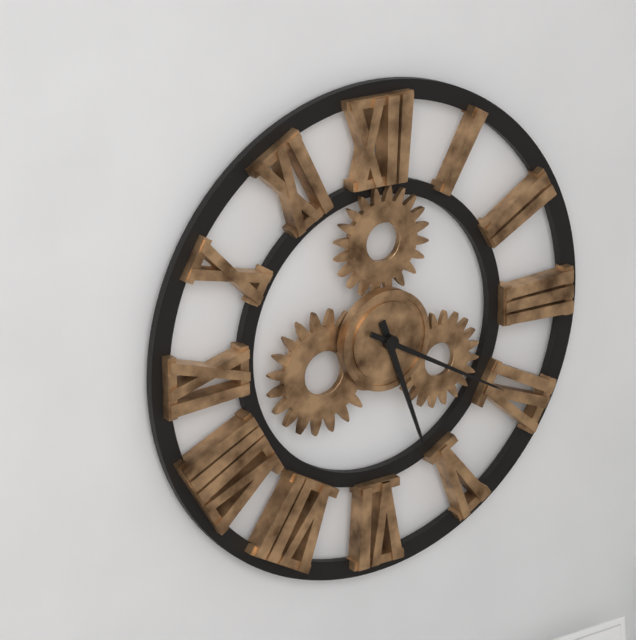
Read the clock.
5:20
